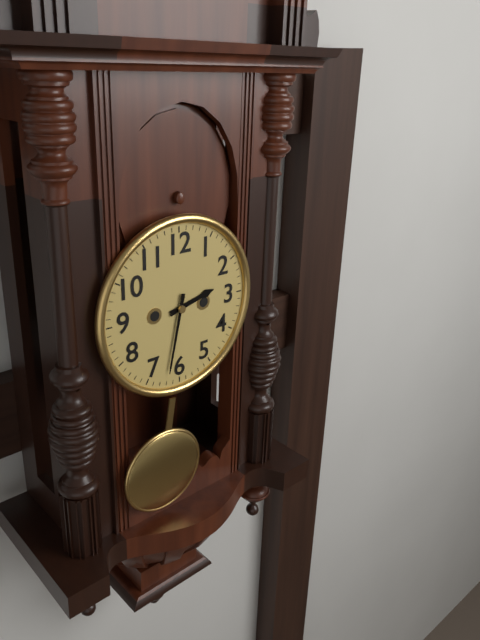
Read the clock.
2:32
